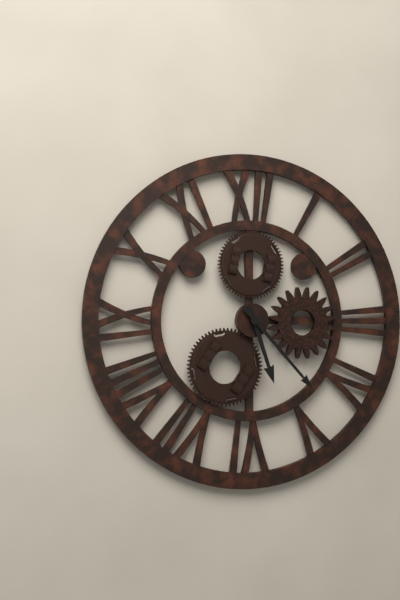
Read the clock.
5:23
